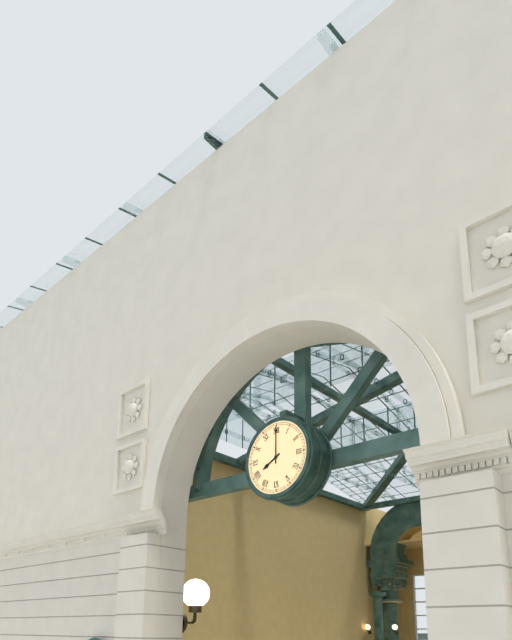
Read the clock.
8:00
